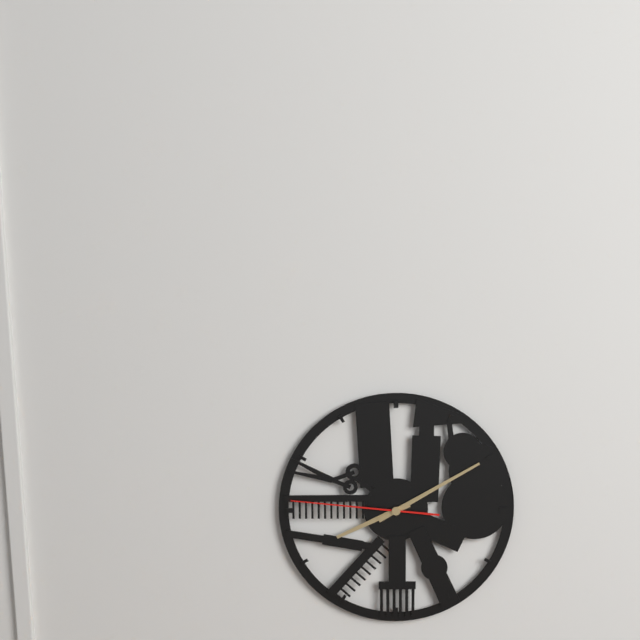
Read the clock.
8:10:46
